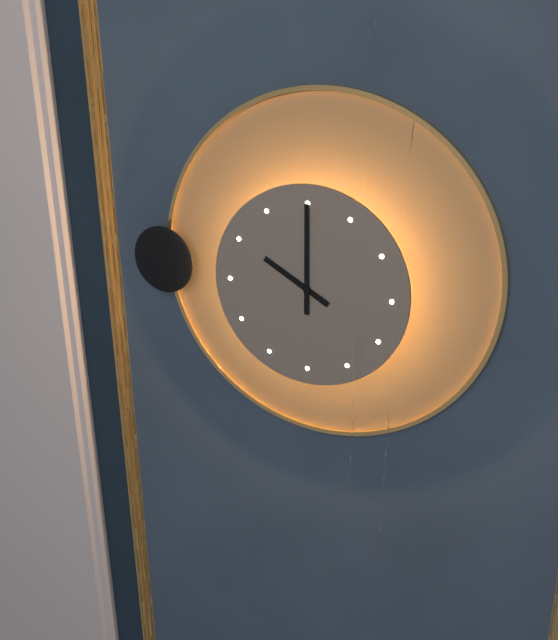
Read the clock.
10:00
